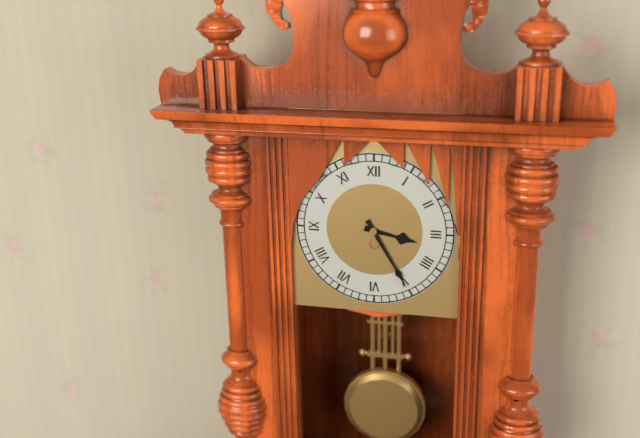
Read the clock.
3:25
